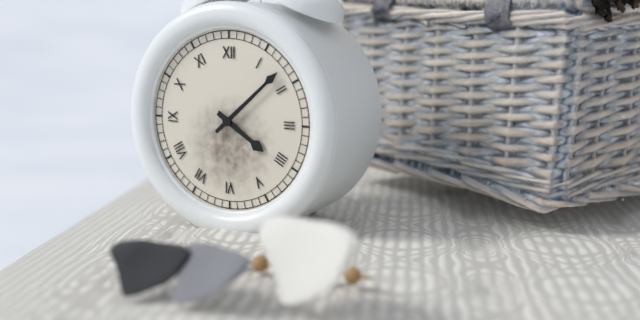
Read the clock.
4:08
